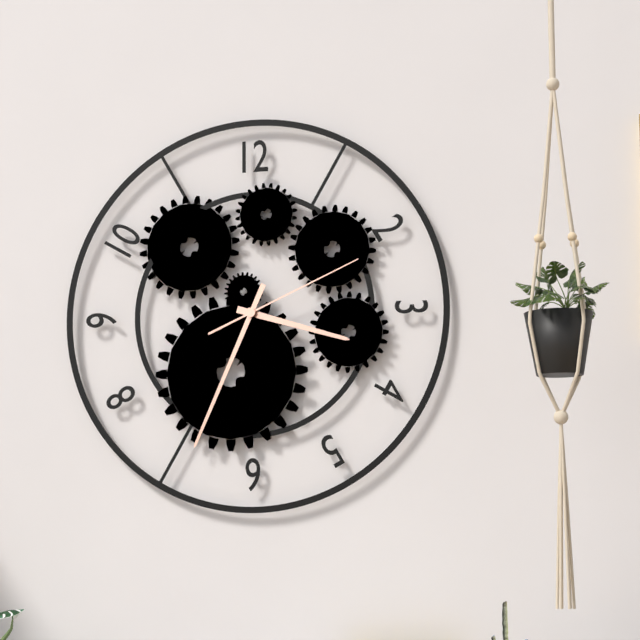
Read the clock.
3:34:11
